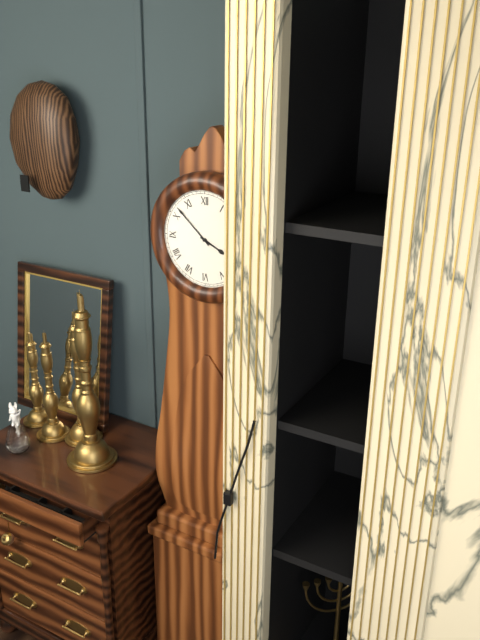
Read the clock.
3:52
